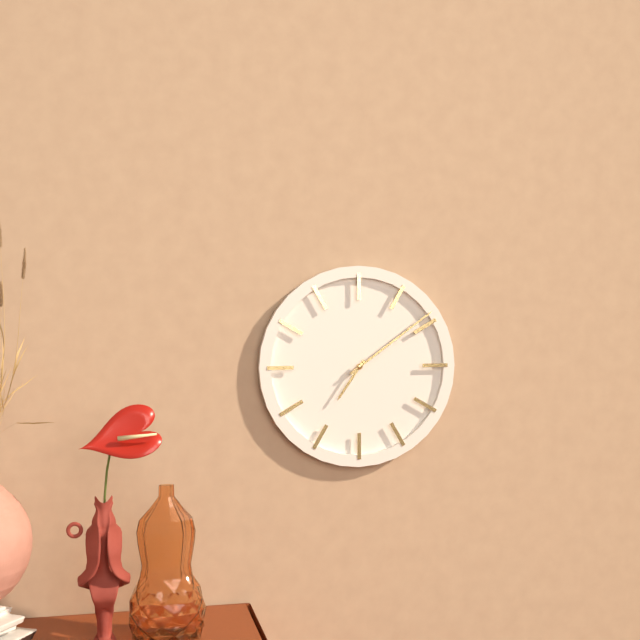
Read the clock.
7:09
